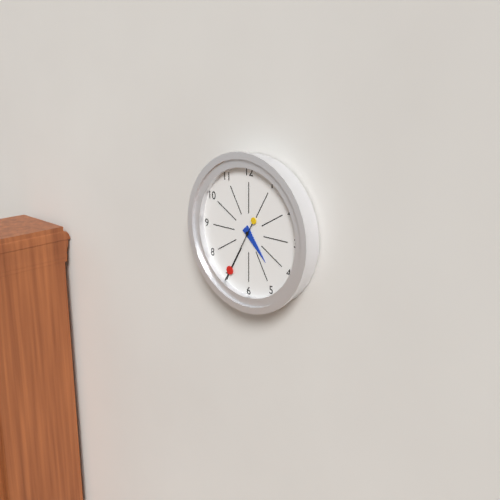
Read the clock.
4:35
